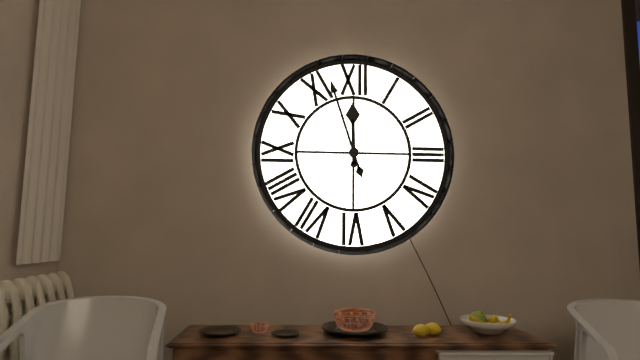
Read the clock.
11:57
